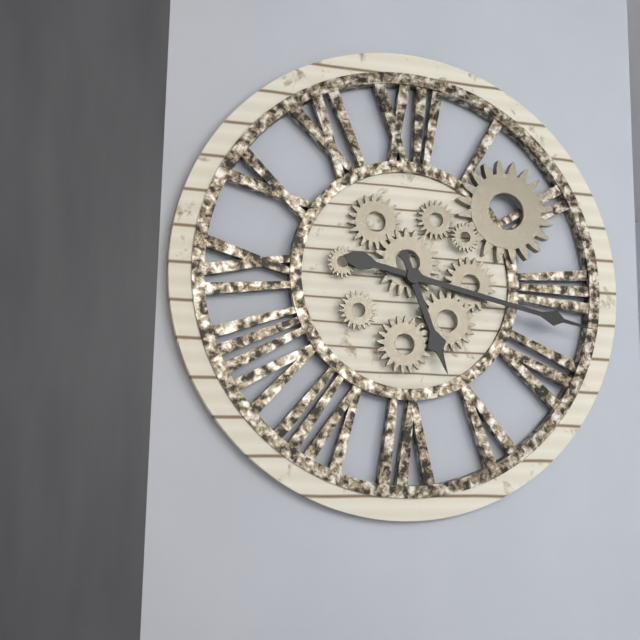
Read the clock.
5:17
